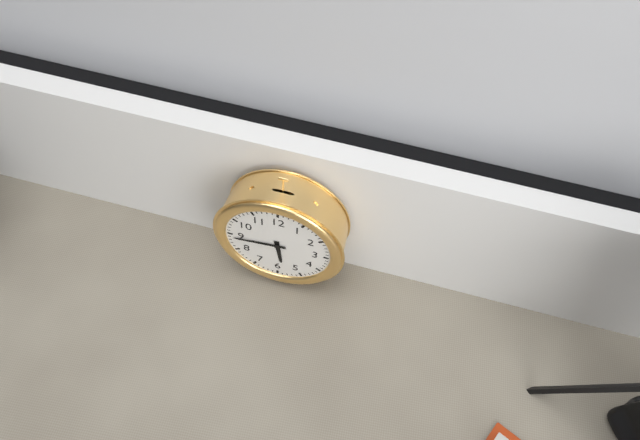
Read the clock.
5:44
